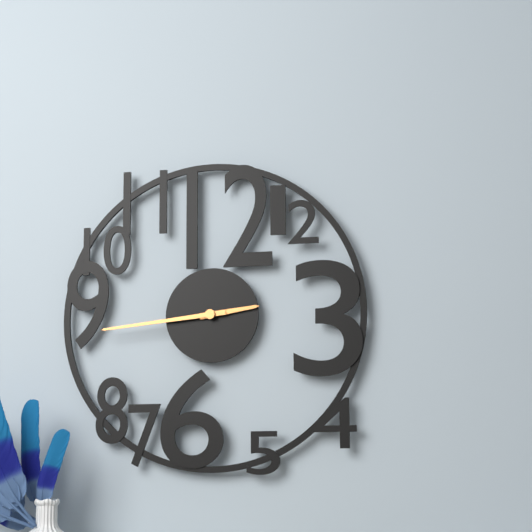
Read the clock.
2:44
